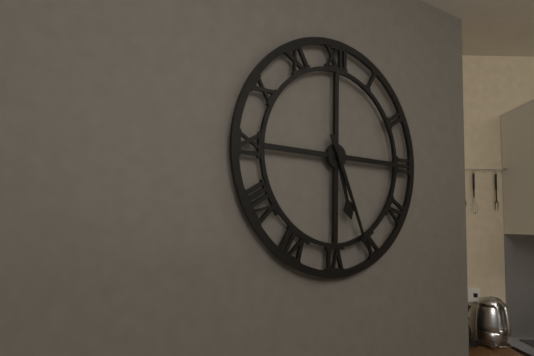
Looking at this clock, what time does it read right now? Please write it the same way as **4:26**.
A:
**5:26**
